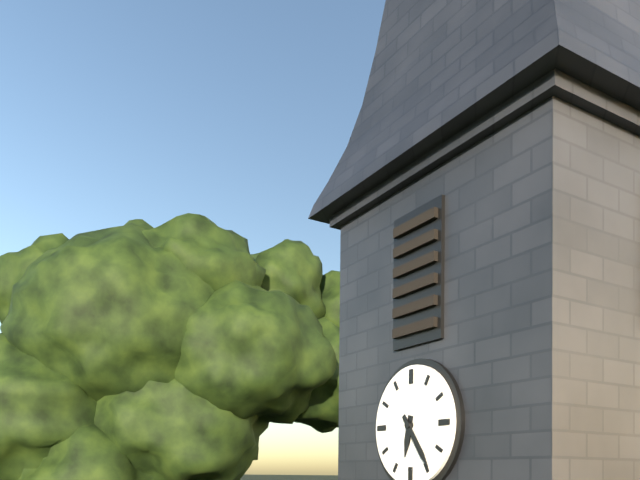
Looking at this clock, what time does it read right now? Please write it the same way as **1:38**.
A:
**6:24**
